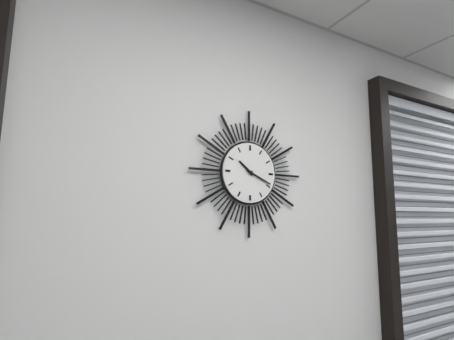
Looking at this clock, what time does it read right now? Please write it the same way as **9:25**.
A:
**10:19**
